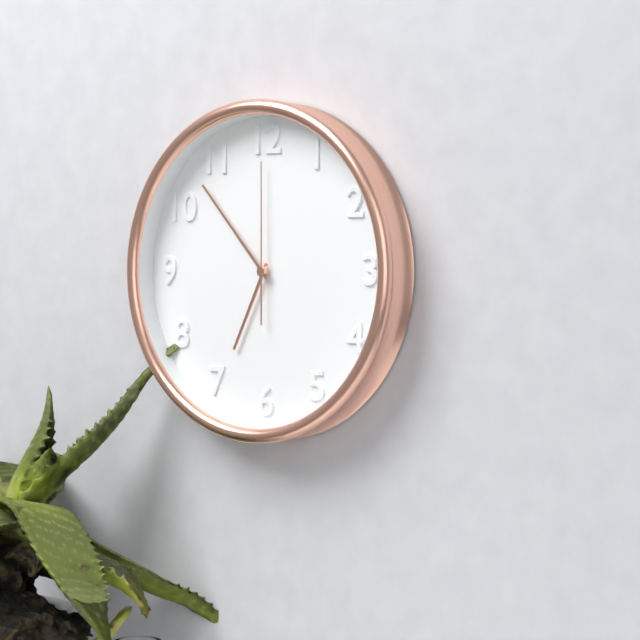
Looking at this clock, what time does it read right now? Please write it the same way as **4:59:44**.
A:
**6:53:00**
